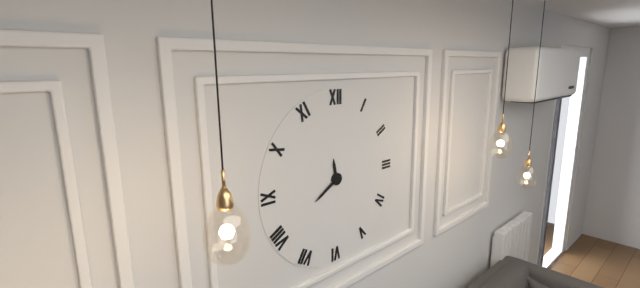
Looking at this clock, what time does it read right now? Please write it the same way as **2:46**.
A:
**11:40**
